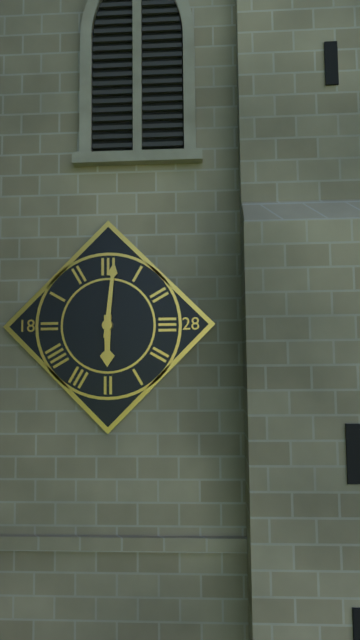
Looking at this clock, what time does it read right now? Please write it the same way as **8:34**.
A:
**6:01**
